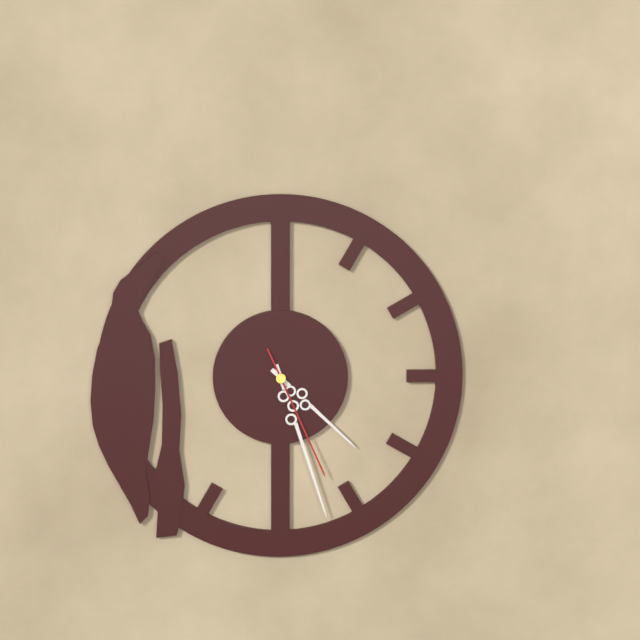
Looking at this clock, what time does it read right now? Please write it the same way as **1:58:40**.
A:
**4:27:26**
